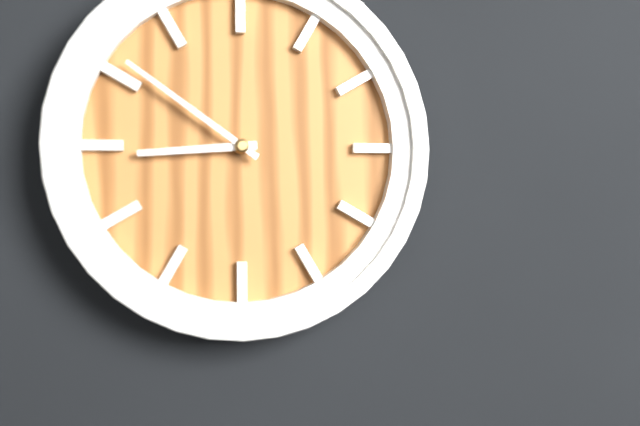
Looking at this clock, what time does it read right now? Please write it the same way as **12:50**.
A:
**8:51**
